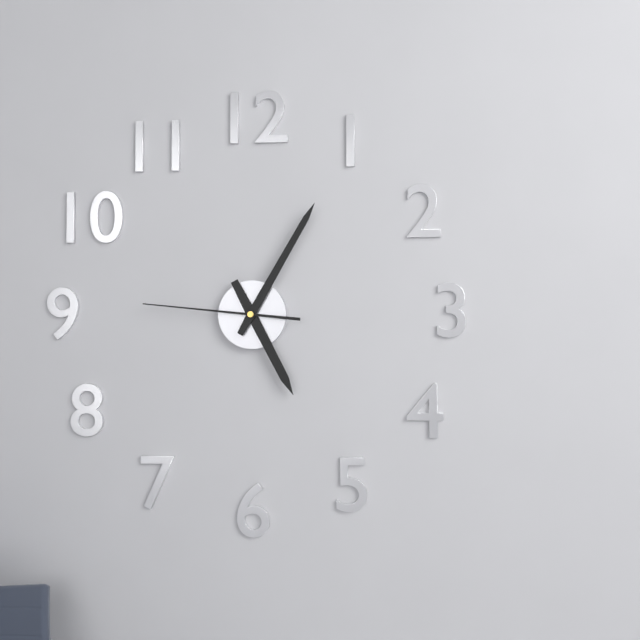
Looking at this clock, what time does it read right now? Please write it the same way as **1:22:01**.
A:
**5:05:46**
